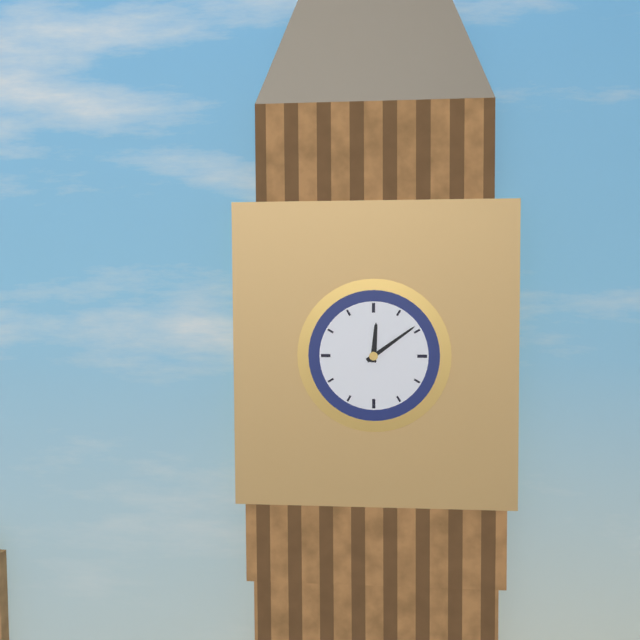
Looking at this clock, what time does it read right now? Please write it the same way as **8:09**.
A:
**12:09**
